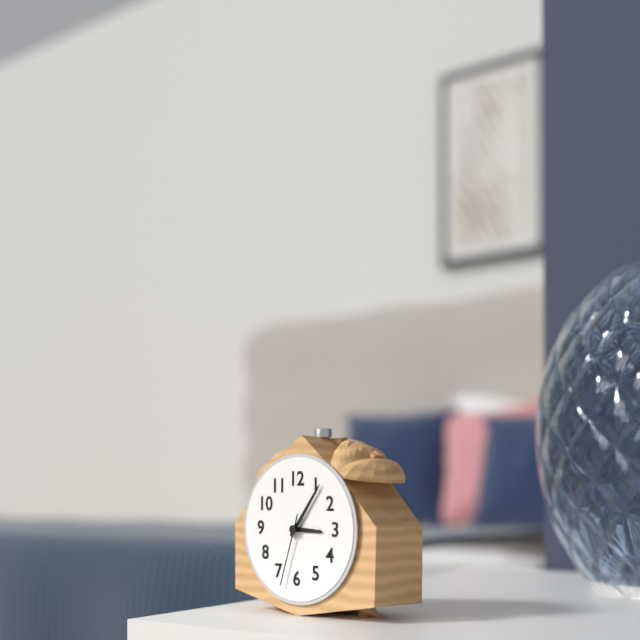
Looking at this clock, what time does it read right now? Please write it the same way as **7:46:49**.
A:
**3:06:33**
